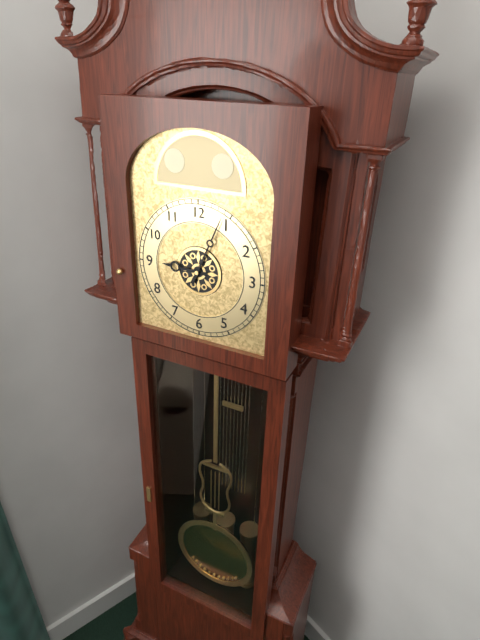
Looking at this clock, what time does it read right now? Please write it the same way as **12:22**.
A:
**9:04**
